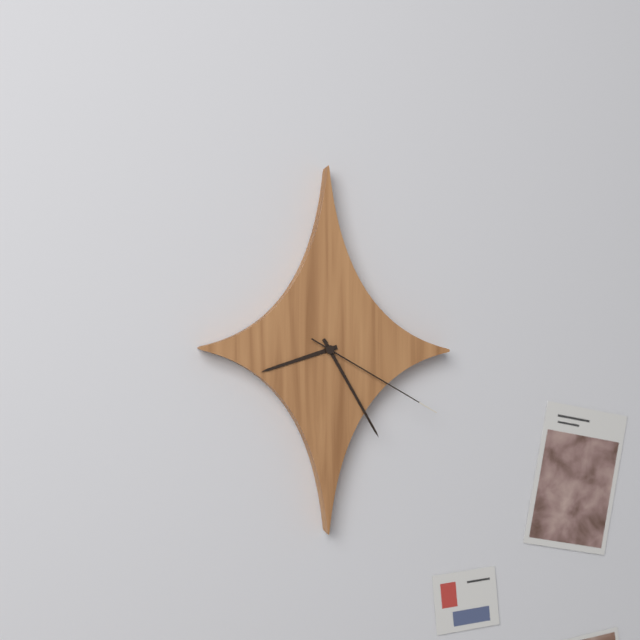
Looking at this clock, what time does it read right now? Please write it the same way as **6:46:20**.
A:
**8:25:20**
